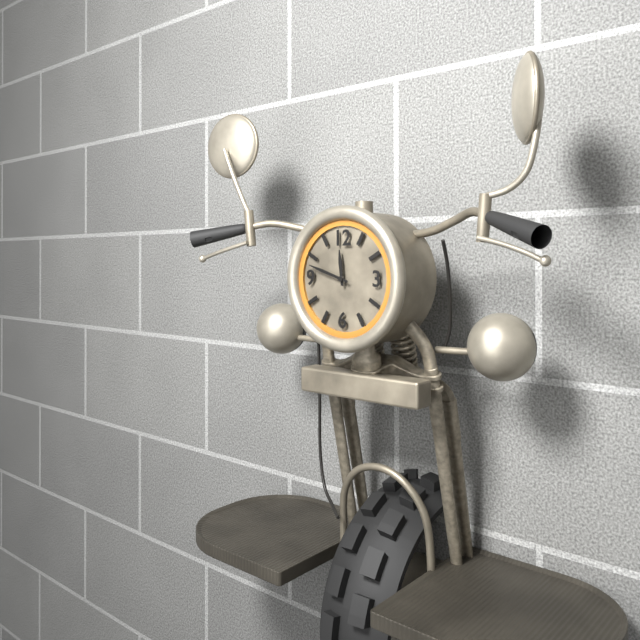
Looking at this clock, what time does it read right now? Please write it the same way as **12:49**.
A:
**11:48**
